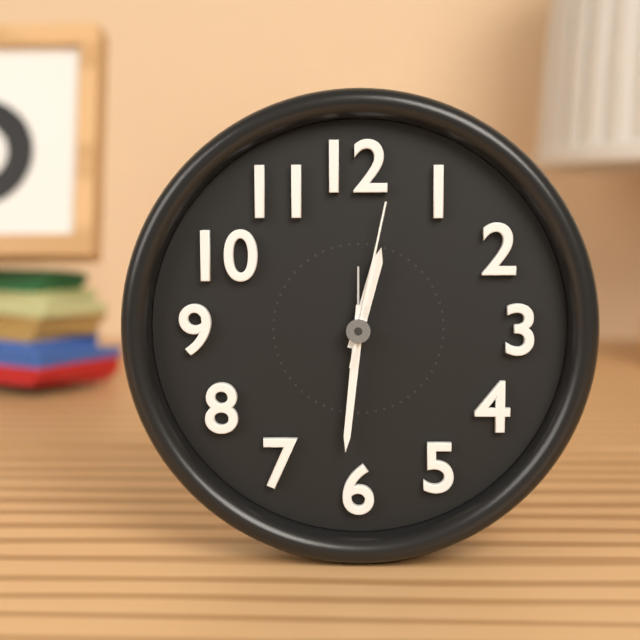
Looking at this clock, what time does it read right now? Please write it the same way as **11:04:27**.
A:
**12:31:02**
